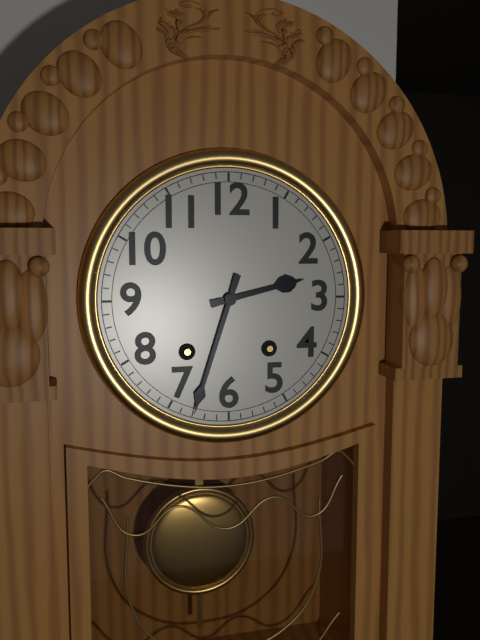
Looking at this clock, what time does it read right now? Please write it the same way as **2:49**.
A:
**2:33**
